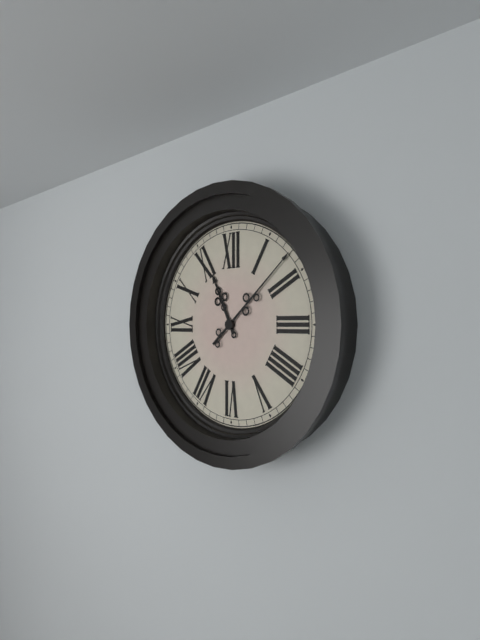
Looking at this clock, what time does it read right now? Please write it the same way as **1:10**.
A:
**11:08**
